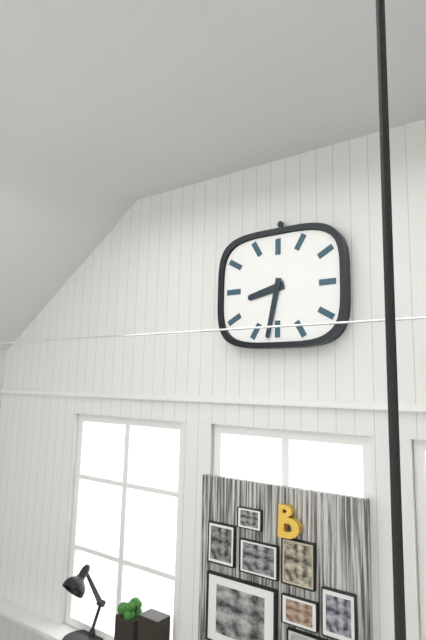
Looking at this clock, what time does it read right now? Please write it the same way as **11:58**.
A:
**8:32**
